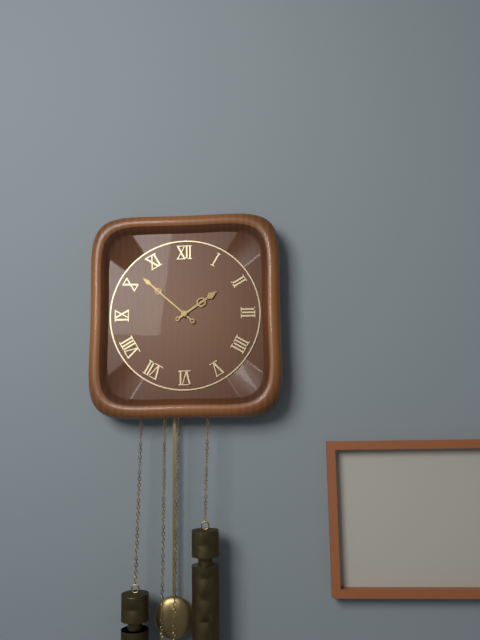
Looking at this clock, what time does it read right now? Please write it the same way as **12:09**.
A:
**1:52**
